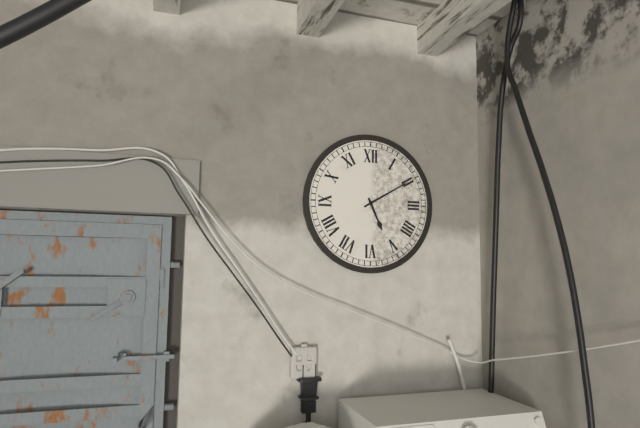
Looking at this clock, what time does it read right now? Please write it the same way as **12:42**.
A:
**5:10**
